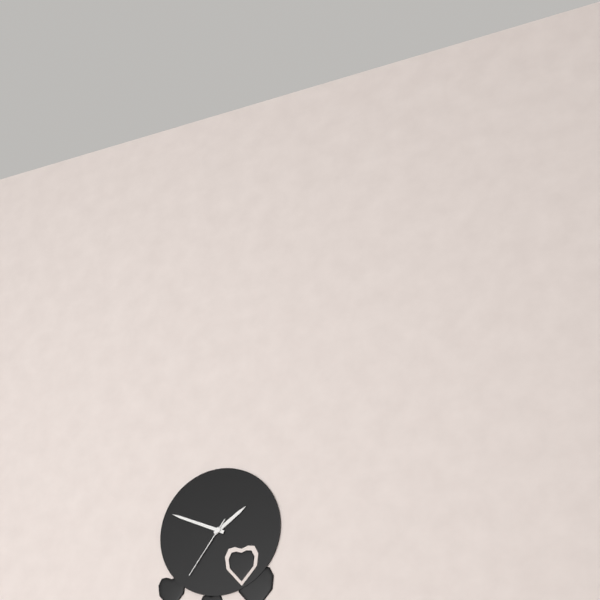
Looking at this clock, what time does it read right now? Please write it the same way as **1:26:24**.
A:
**1:49:36**
